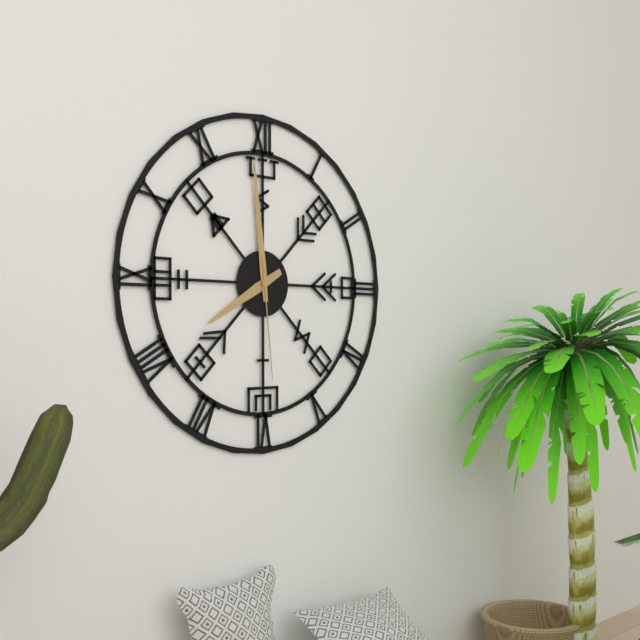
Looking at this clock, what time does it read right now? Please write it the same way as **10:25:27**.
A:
**7:59:29**
